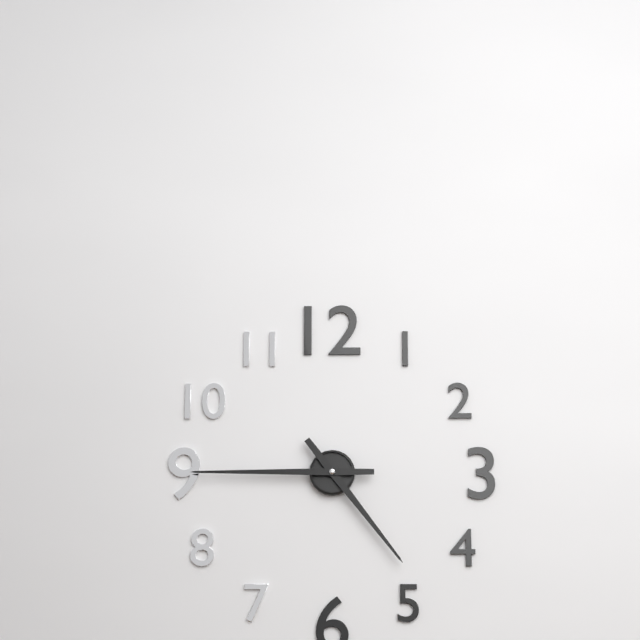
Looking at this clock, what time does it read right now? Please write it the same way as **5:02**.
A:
**4:45**
